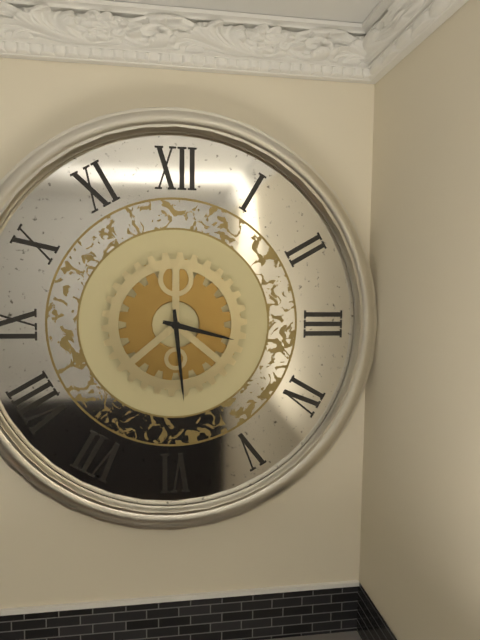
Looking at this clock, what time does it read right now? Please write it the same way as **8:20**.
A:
**3:29**
